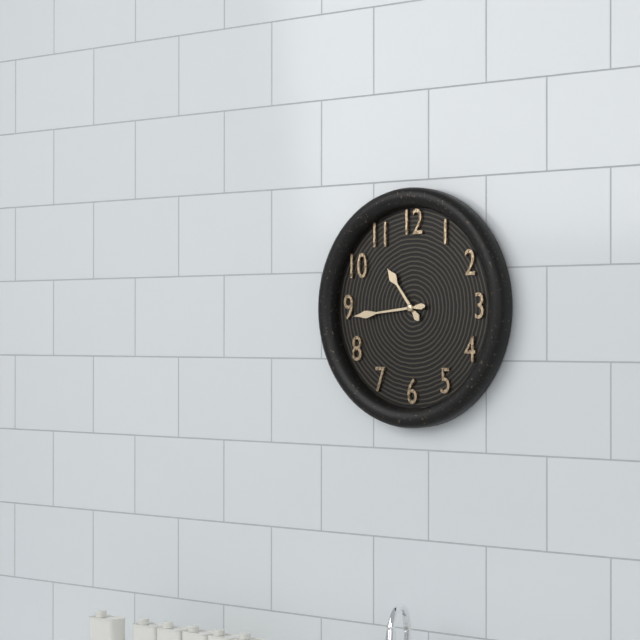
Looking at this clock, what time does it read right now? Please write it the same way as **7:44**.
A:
**10:44**
